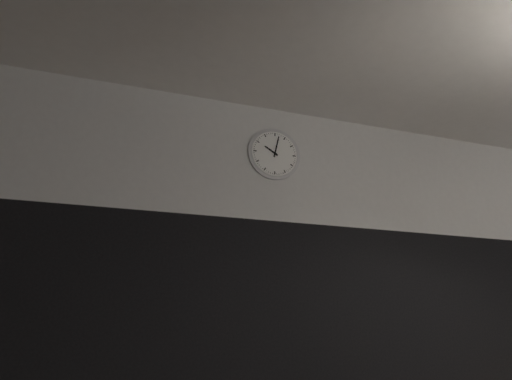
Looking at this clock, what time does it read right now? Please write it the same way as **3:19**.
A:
**10:02**
